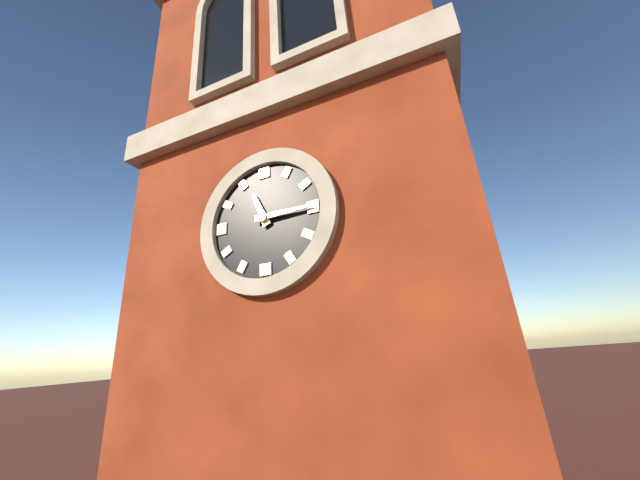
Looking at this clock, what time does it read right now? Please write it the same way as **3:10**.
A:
**11:15**
